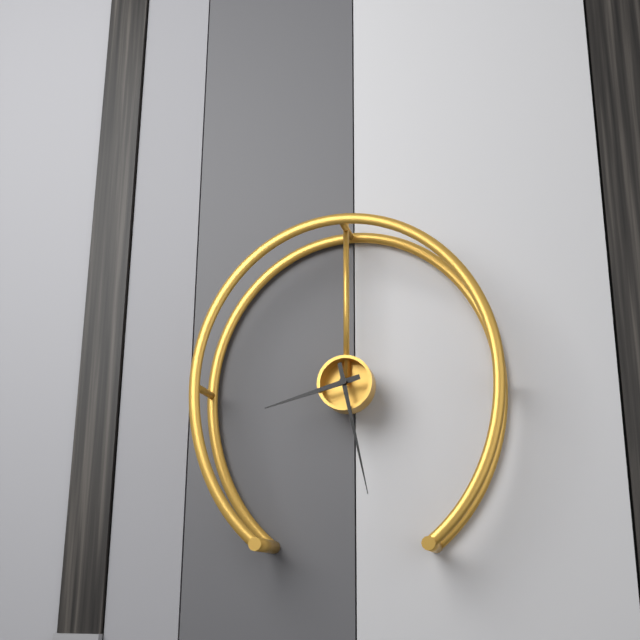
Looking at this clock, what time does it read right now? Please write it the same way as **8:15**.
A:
**8:28**
